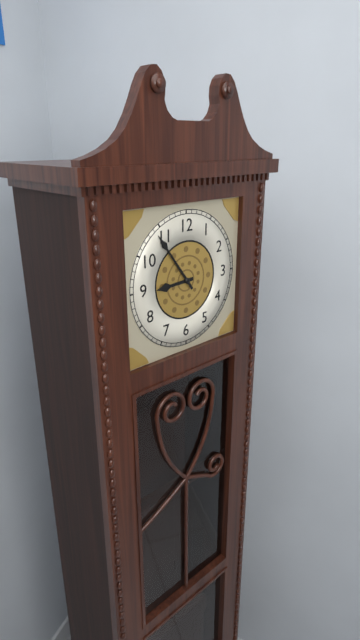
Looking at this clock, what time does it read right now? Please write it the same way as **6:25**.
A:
**8:54**
